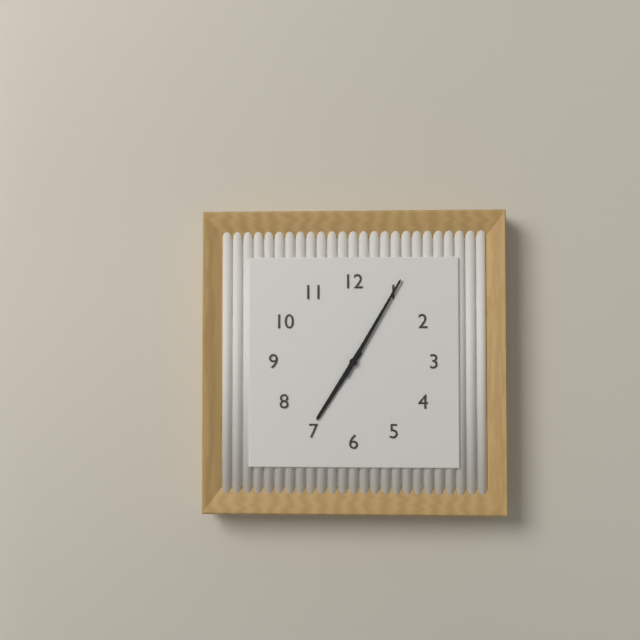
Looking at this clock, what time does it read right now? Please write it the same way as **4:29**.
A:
**7:05**
